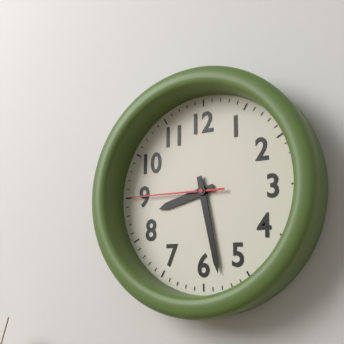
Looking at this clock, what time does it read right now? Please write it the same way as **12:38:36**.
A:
**8:28:45**
